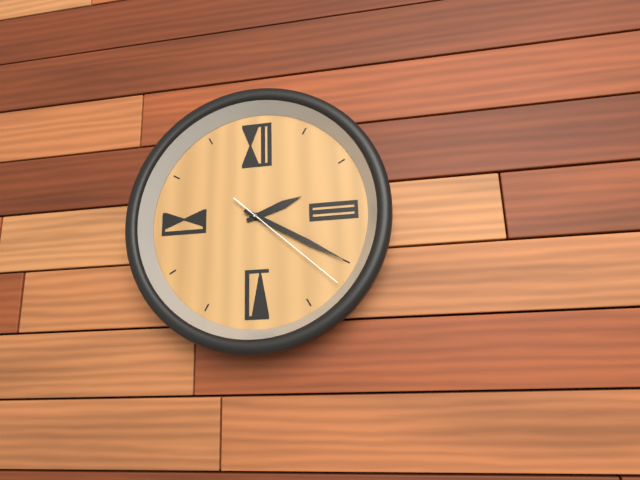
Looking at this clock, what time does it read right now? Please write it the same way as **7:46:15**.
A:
**2:20:22**
